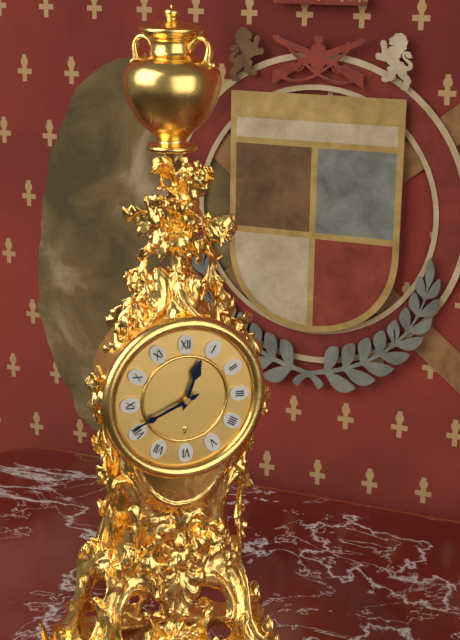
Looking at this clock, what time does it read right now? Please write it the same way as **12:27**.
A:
**12:41**
